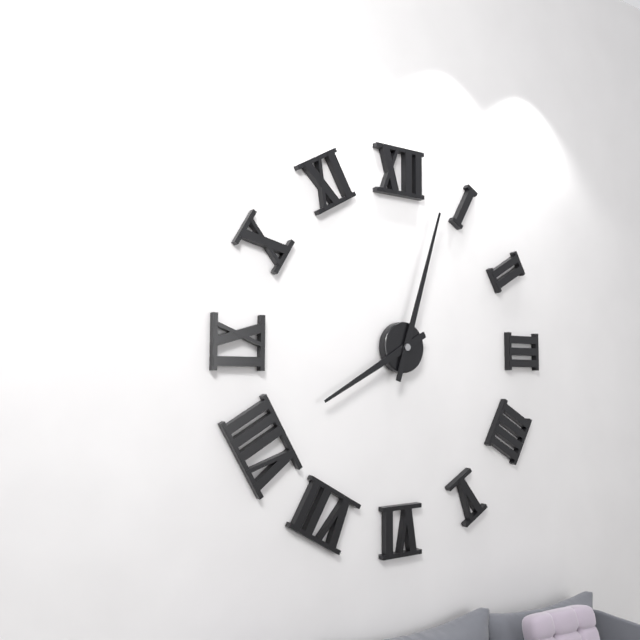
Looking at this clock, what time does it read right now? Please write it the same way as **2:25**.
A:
**8:03**
